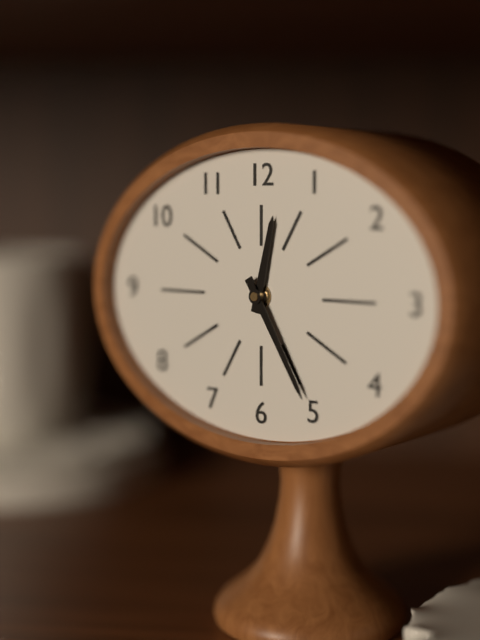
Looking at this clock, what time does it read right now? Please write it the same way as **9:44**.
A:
**12:25**
